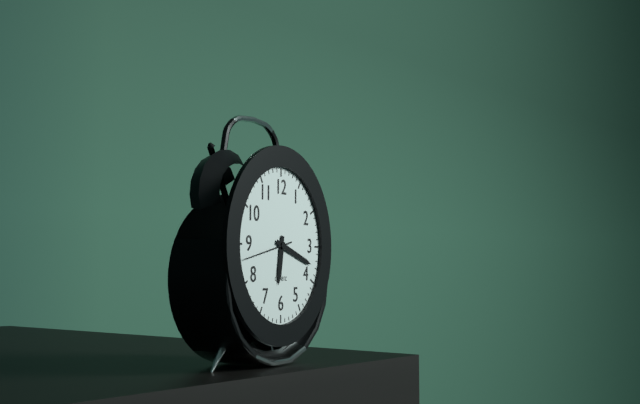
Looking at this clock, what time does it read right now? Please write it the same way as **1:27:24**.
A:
**6:18:43**
